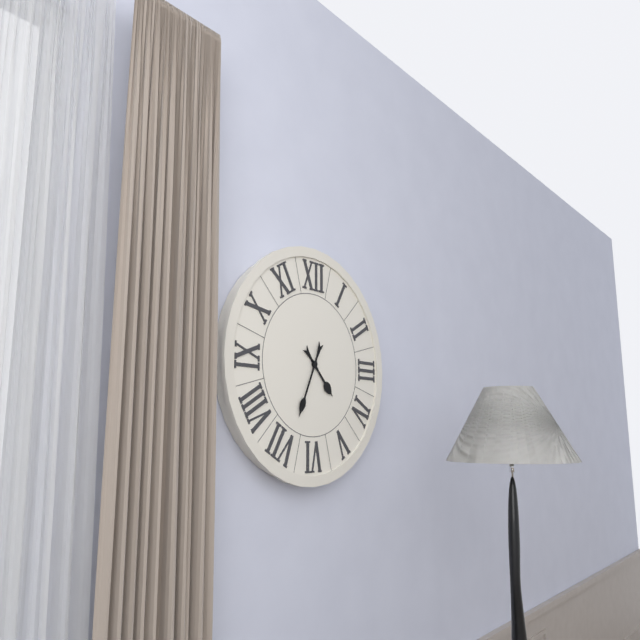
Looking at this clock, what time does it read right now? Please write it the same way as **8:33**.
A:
**4:34**
